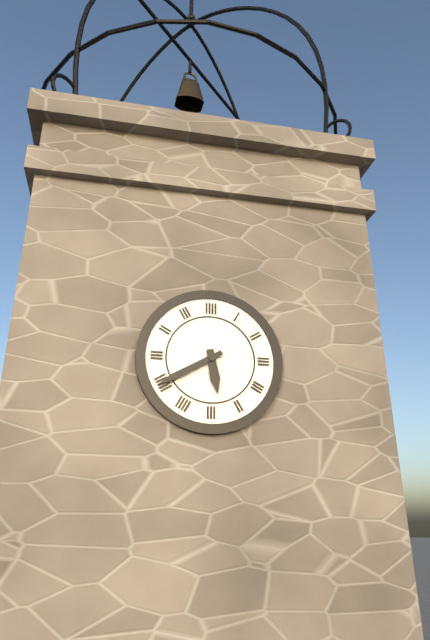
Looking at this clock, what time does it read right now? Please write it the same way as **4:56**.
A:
**5:40**
